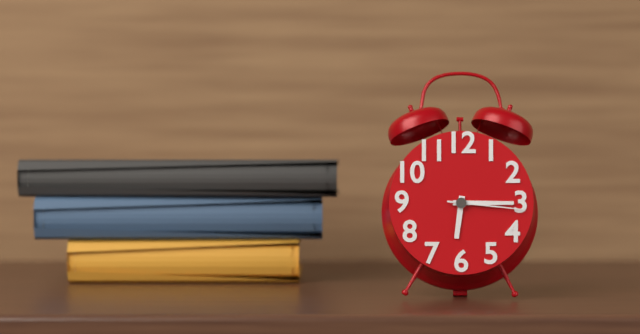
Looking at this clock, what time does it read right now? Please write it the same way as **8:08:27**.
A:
**6:15:16**
